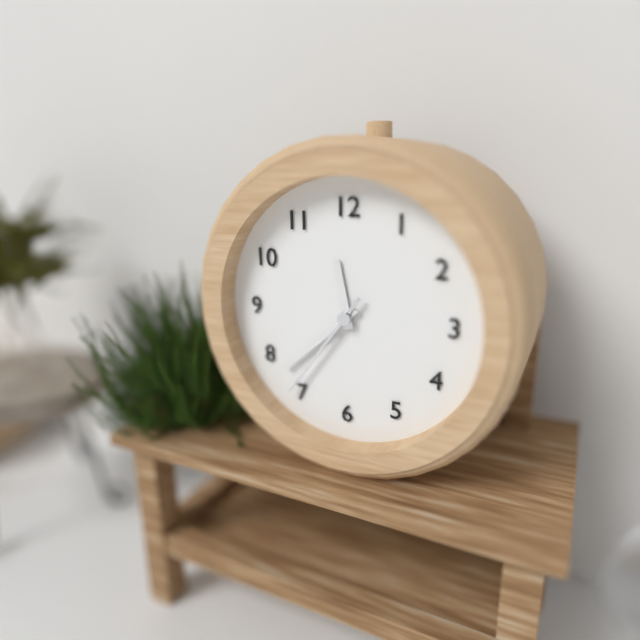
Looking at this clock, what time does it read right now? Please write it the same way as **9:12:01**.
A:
**11:38:36**
